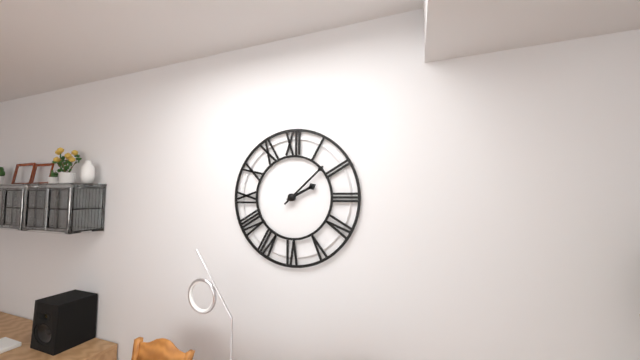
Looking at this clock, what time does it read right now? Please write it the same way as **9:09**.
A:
**2:08**
